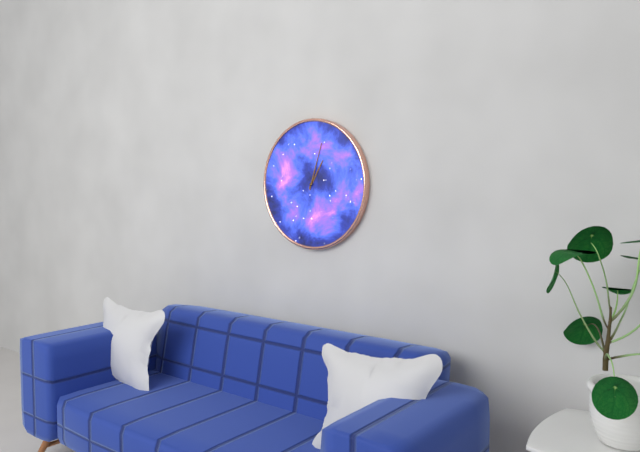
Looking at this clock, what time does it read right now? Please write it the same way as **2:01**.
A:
**1:03**
